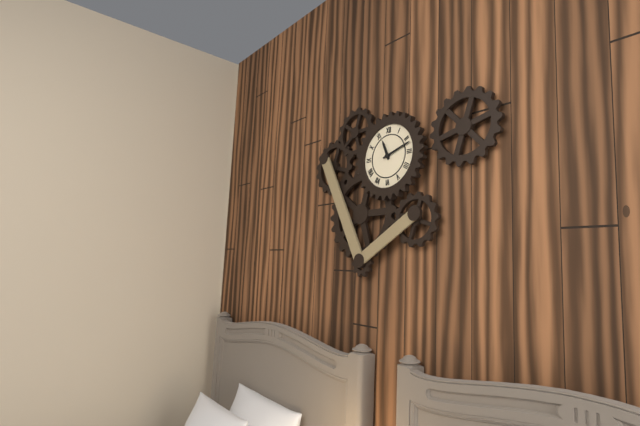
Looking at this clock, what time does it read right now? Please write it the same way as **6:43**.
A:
**11:12**
